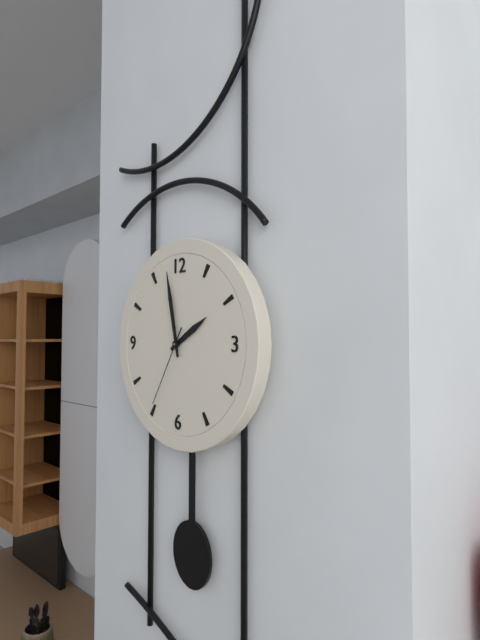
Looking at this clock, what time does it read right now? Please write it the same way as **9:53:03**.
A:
**1:58:35**
